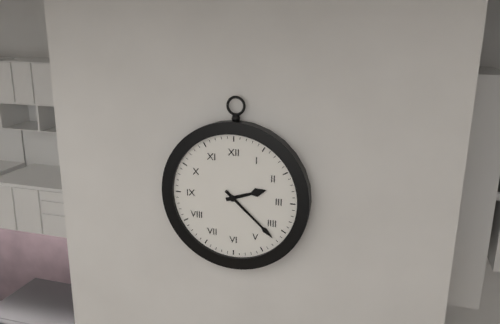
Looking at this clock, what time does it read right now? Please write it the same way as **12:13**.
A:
**2:22**
